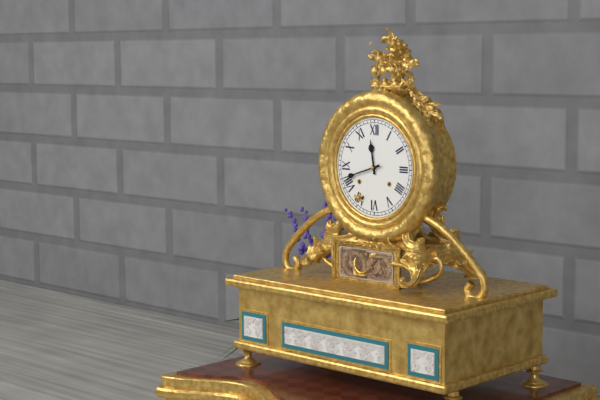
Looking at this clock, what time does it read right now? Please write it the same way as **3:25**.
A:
**11:42**
